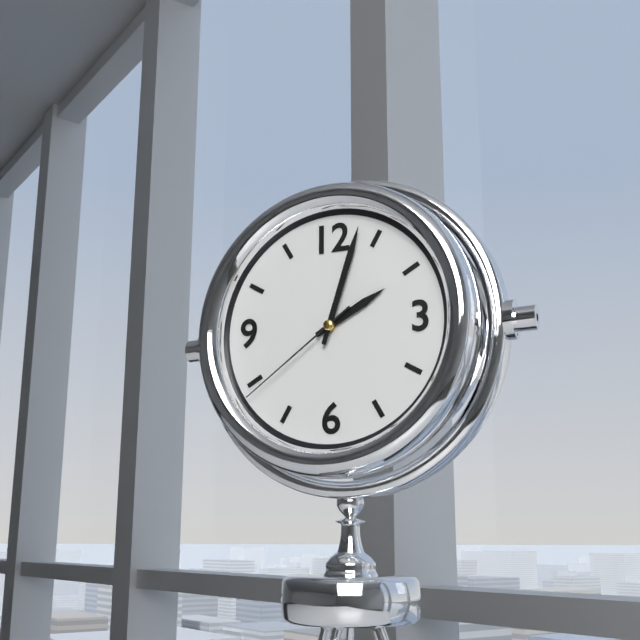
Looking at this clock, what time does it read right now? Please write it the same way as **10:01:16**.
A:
**2:03:39**
